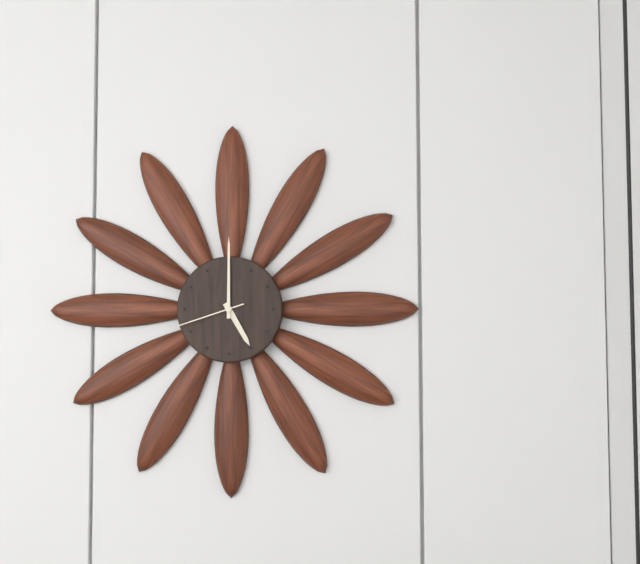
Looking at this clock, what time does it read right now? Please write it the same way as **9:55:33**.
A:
**5:00:42**
